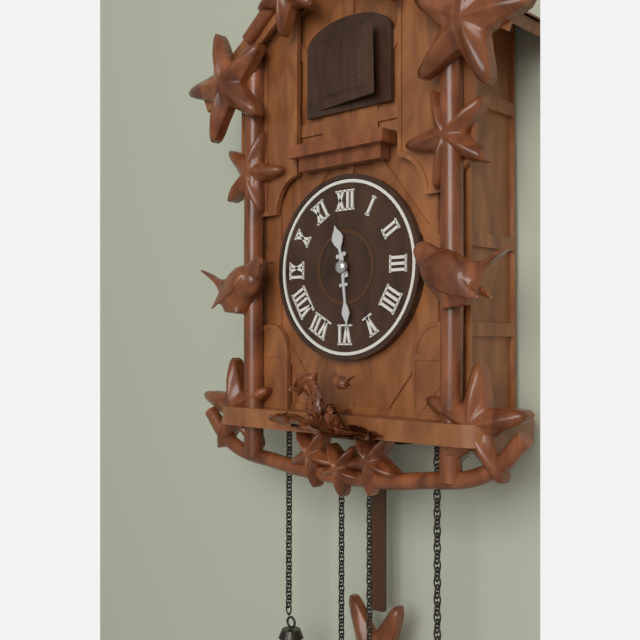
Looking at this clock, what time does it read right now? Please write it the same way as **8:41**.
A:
**11:29**
